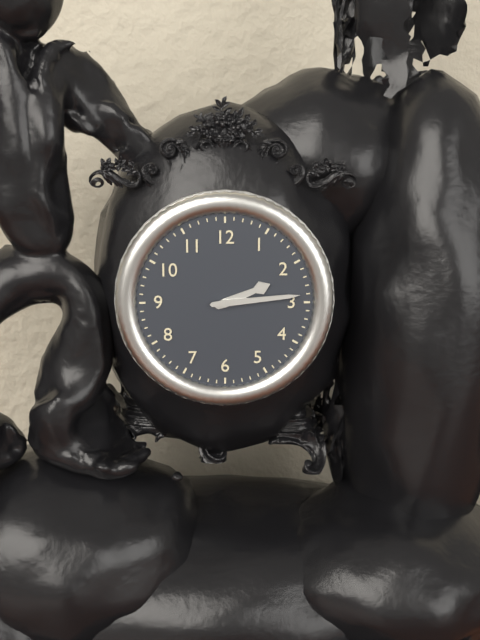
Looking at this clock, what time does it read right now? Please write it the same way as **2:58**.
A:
**2:14**
